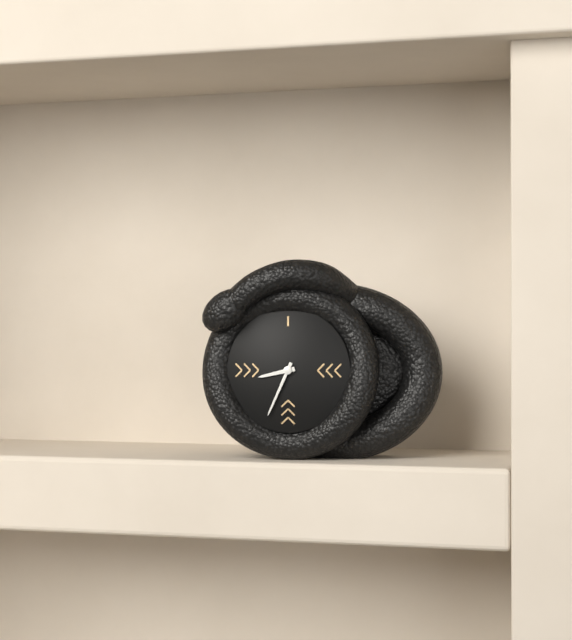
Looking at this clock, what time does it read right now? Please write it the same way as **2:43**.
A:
**8:34**
